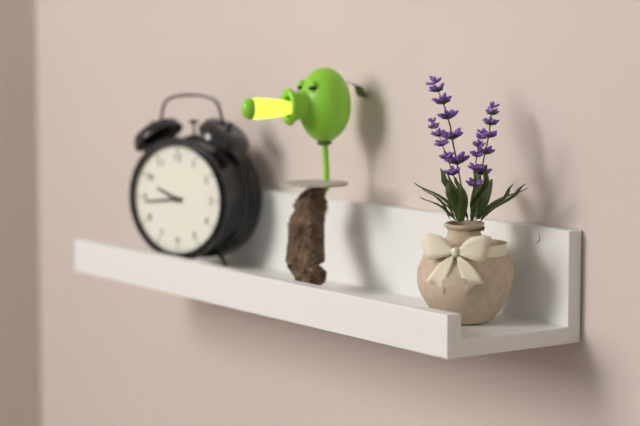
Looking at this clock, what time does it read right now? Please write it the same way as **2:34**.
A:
**9:44**
